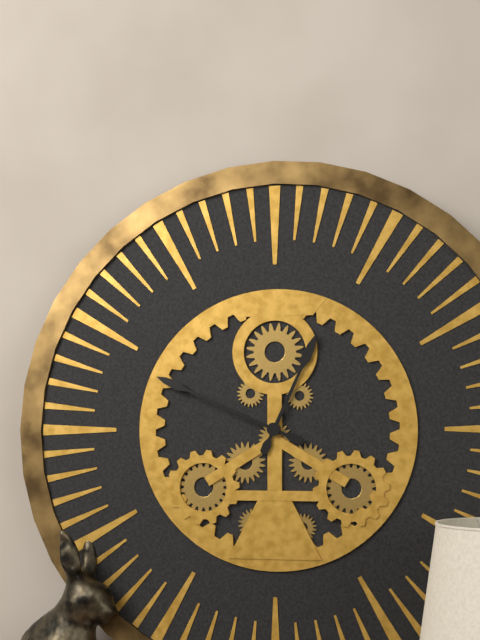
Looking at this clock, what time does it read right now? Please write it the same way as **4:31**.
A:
**12:49**
